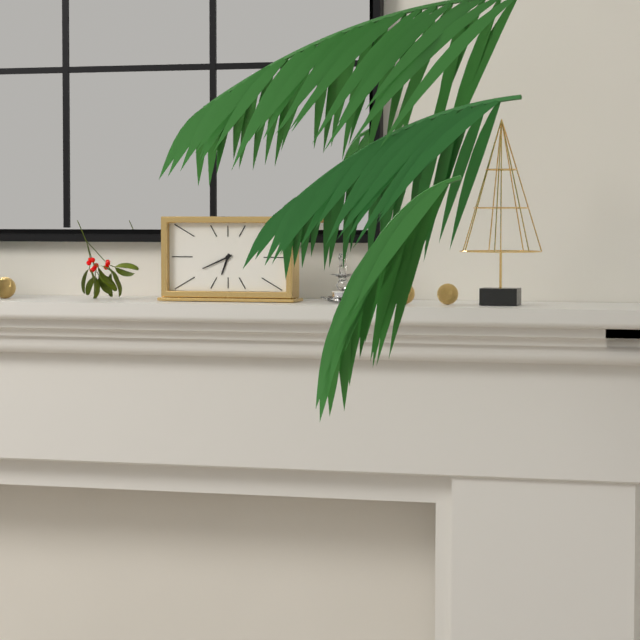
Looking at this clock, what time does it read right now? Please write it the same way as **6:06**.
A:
**6:41**
